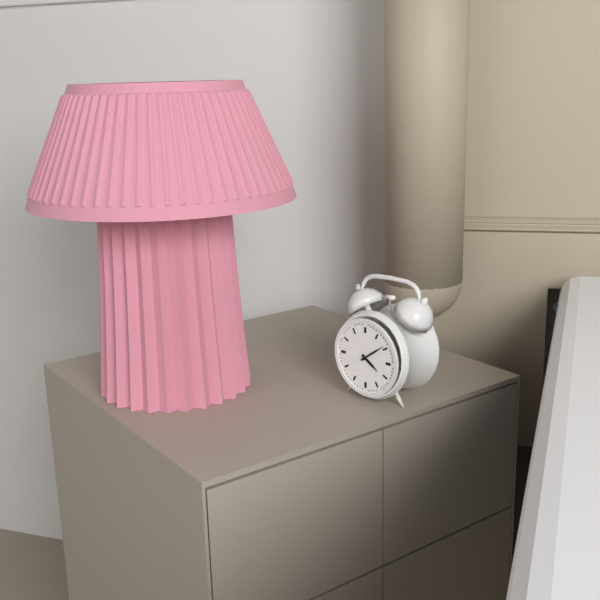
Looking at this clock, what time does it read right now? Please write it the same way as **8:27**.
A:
**4:09**
